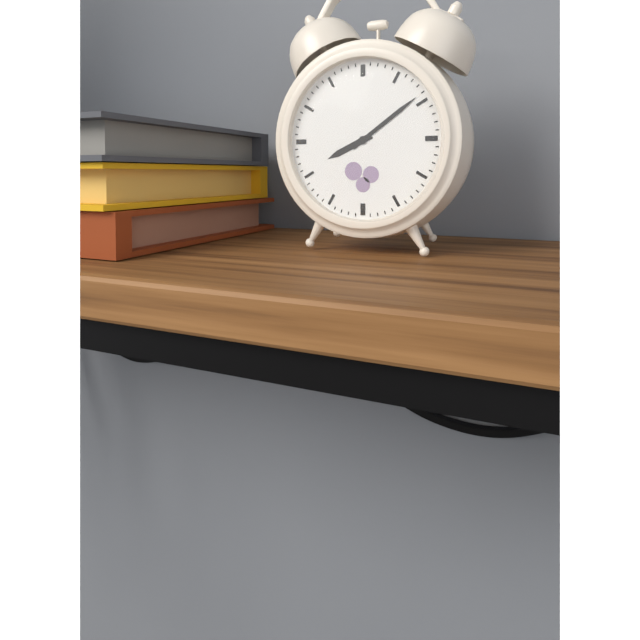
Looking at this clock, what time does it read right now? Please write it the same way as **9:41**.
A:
**8:09**
